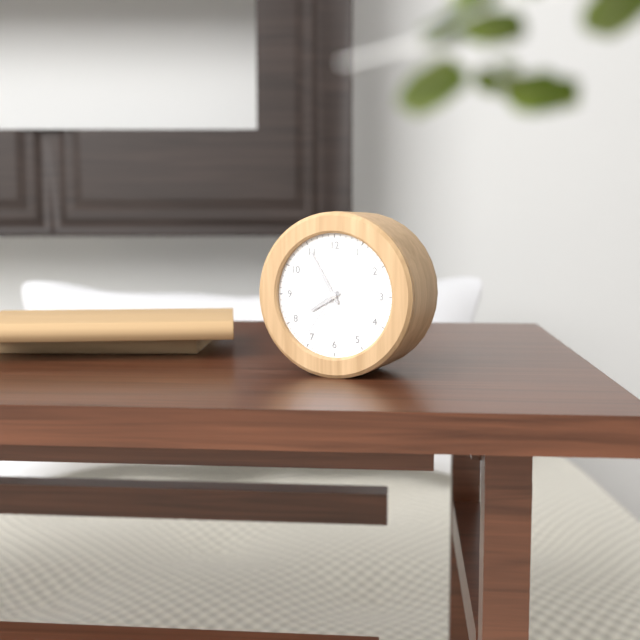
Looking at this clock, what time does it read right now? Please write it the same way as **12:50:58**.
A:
**7:55:36**
